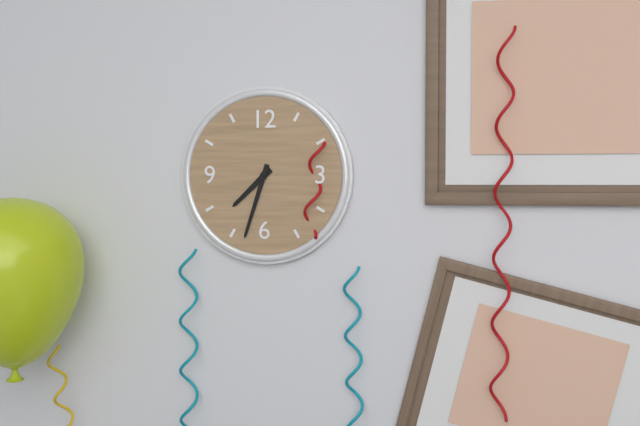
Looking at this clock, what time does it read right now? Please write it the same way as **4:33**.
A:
**7:33**
